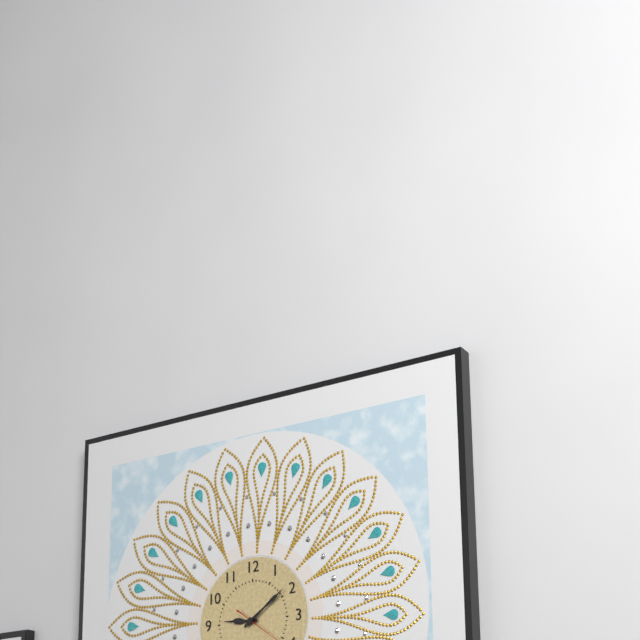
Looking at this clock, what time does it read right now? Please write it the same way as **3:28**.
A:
**9:09**
